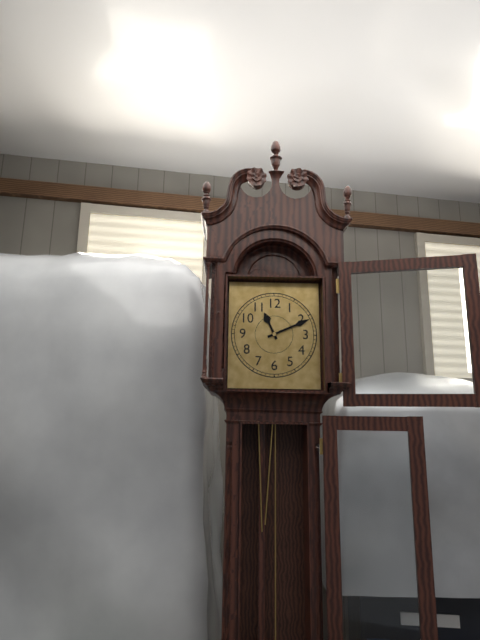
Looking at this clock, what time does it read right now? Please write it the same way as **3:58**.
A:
**11:11**
